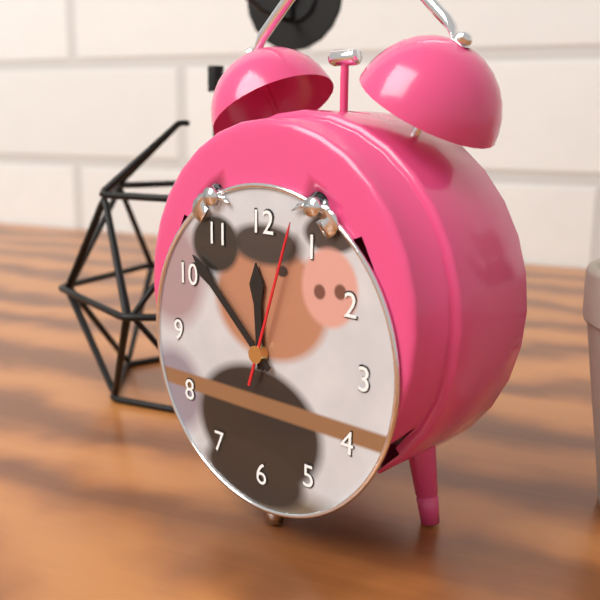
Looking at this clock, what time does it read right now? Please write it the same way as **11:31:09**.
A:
**11:52:03**
